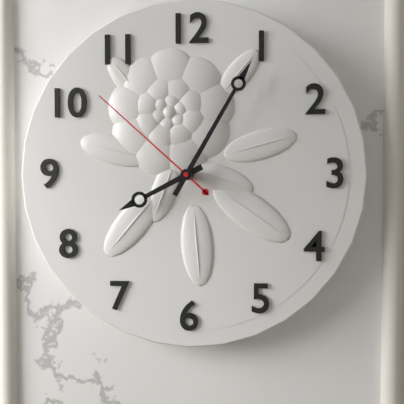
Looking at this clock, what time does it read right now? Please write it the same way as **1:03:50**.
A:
**8:05:52**
